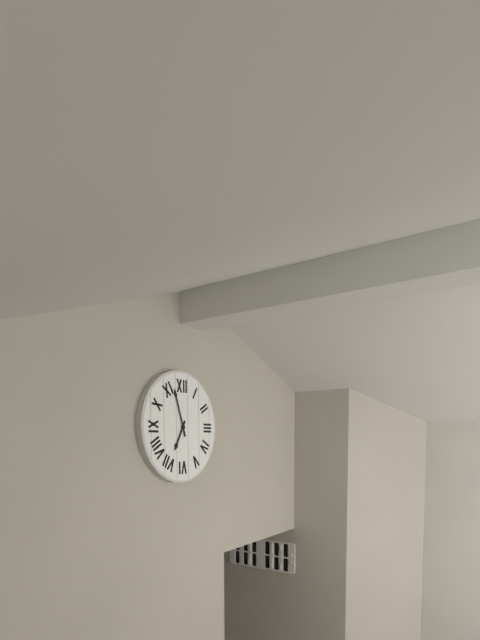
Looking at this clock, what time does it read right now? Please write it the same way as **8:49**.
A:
**6:57**
